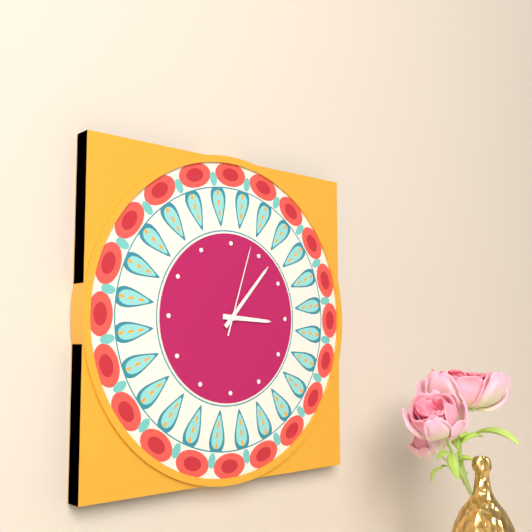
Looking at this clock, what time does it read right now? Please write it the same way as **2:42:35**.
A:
**3:07:03**
